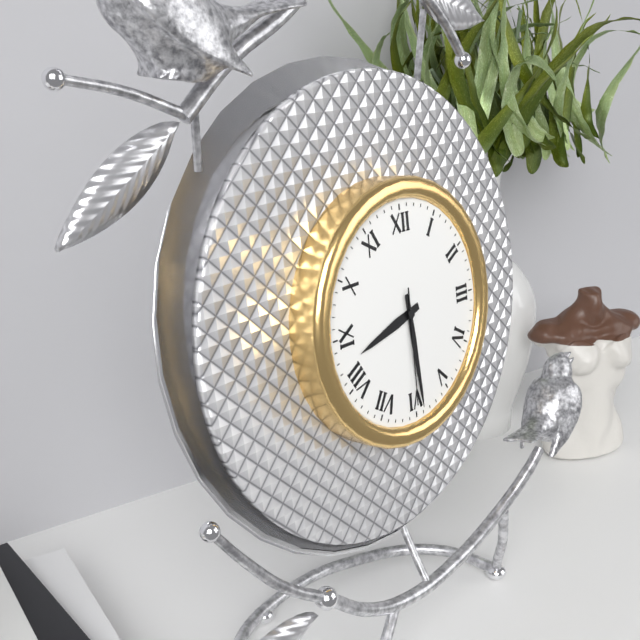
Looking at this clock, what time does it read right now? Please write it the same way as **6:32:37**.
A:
**8:29:30**
